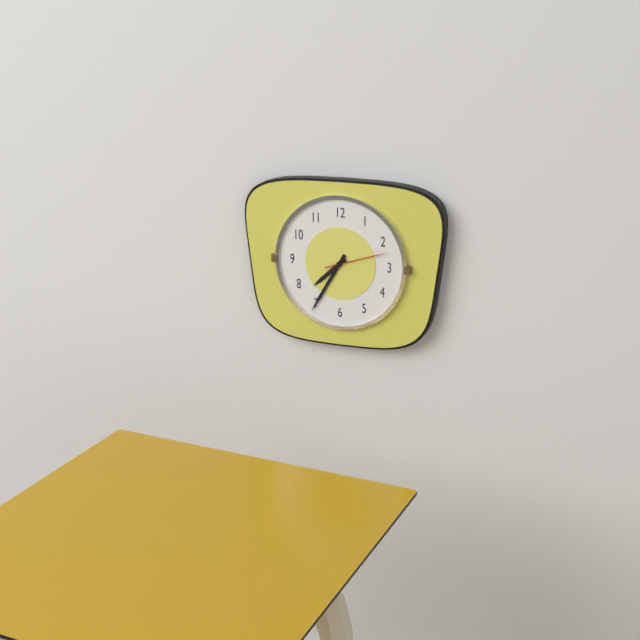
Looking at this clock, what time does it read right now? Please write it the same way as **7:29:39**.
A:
**7:35:12**
